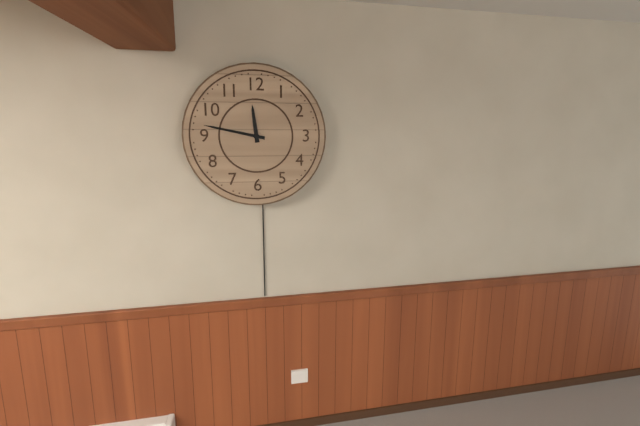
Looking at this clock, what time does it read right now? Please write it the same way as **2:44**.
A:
**11:47**
